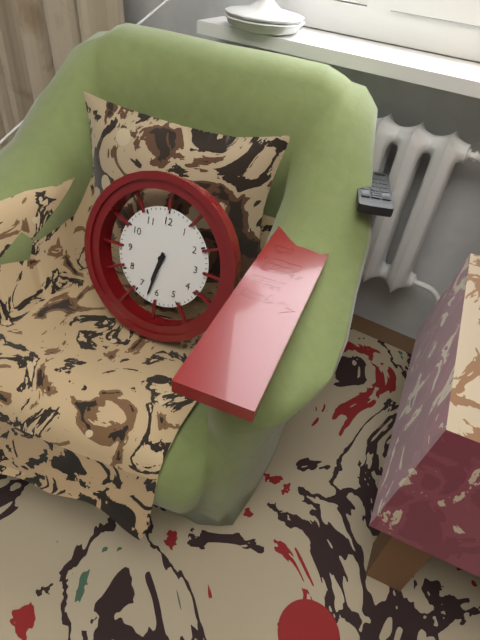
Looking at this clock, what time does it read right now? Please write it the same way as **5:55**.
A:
**6:32**
